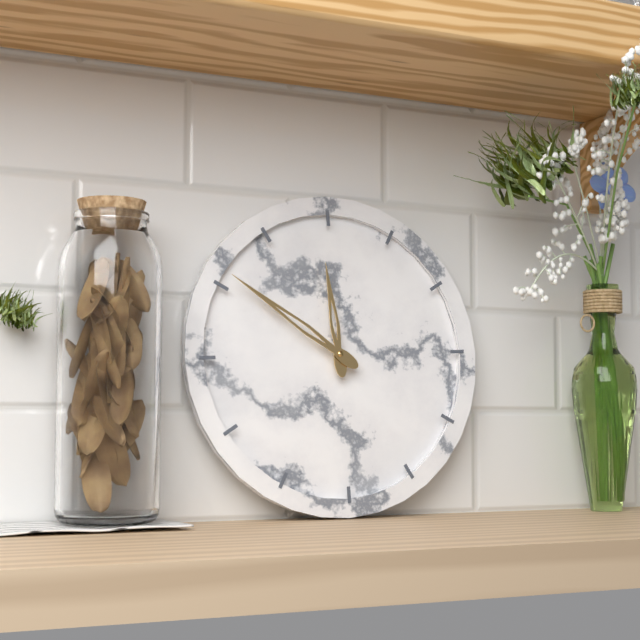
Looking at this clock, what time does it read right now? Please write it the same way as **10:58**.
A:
**11:51**
